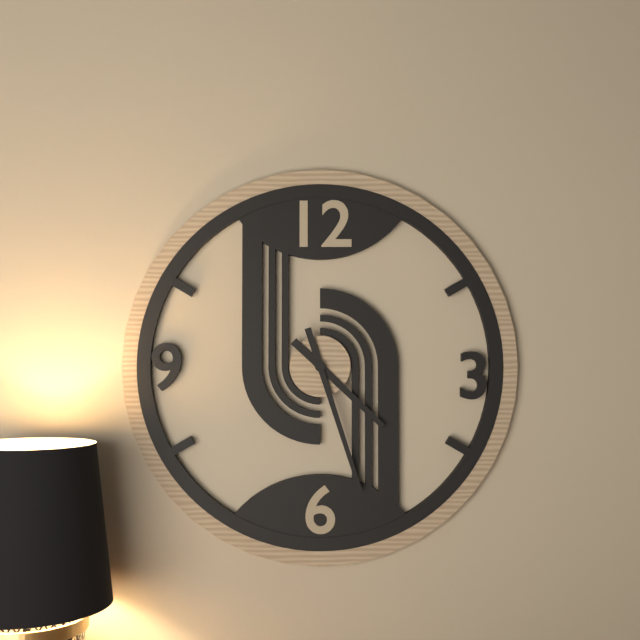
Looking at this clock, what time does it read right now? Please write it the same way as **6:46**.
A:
**4:27**
